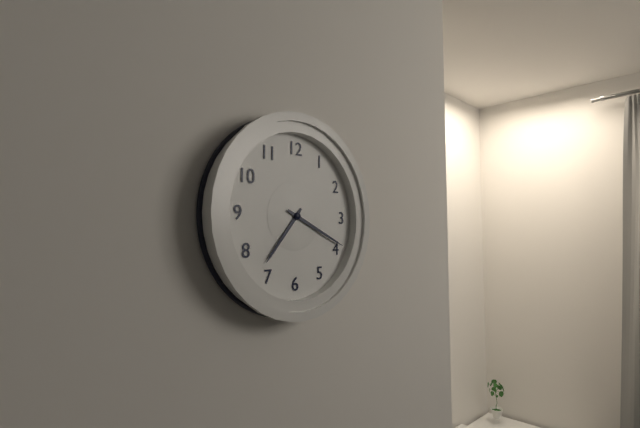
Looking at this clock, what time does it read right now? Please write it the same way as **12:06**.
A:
**7:19**
